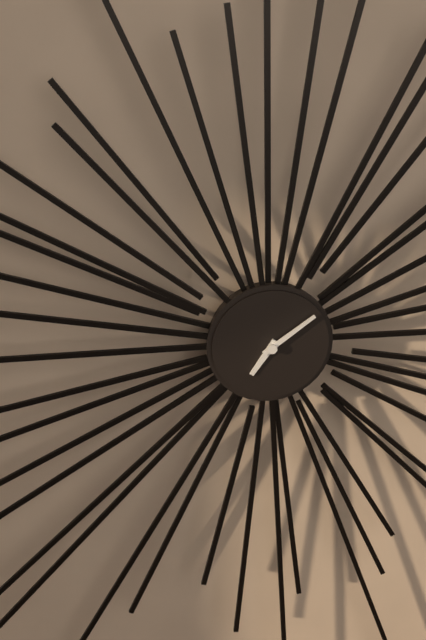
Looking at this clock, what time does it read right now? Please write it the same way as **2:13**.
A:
**7:09**
